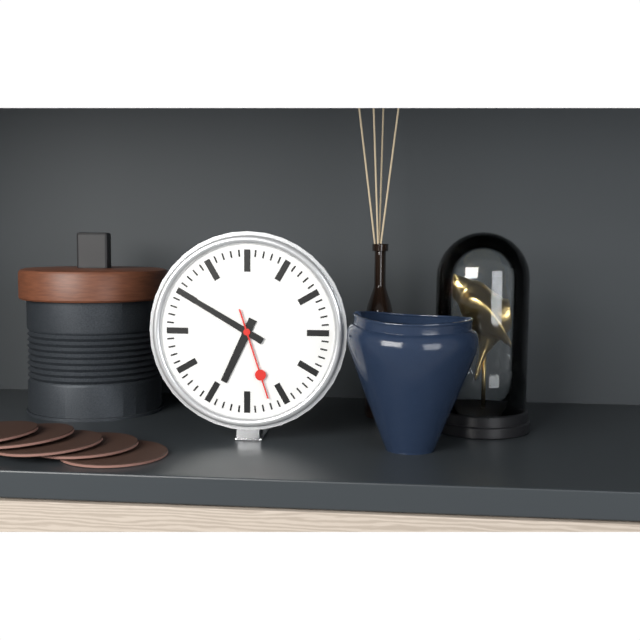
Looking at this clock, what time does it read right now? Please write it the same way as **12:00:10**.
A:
**6:50:27**
